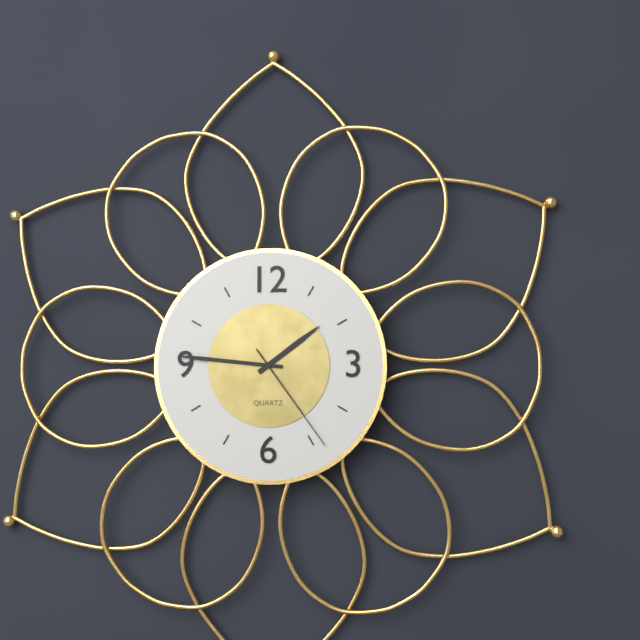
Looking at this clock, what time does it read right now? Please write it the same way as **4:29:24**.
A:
**1:46:24**
